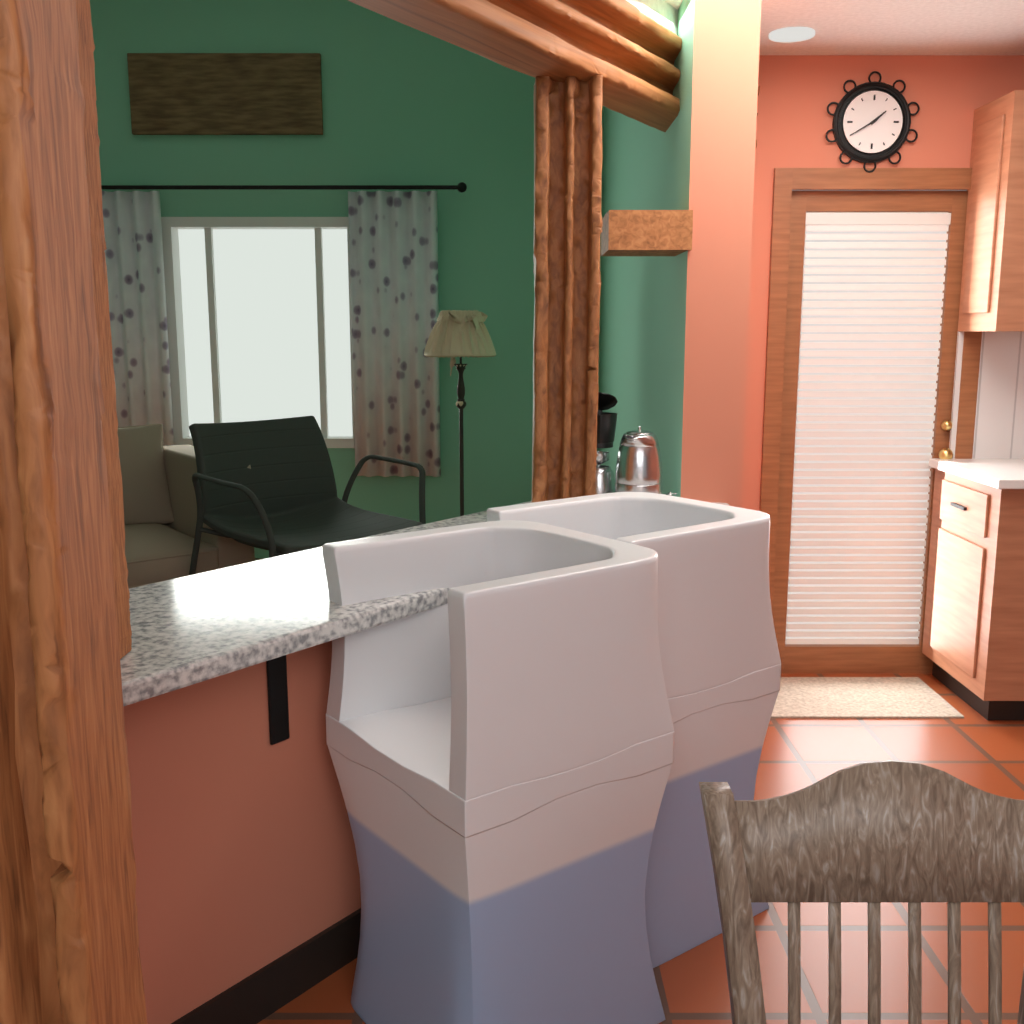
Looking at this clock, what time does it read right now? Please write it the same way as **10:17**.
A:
**1:40**
